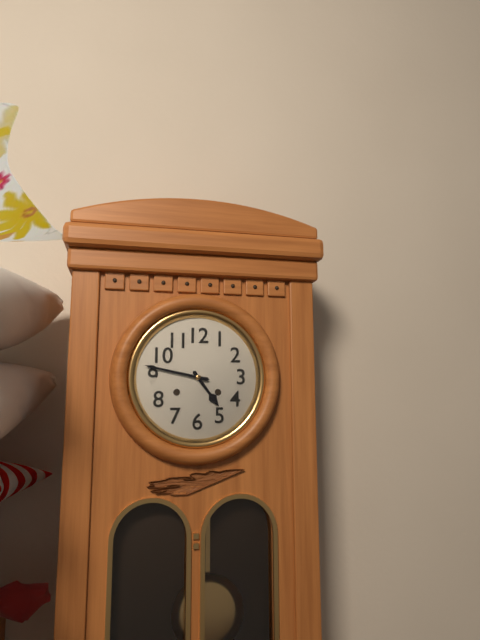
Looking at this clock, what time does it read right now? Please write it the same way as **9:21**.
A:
**4:47**
